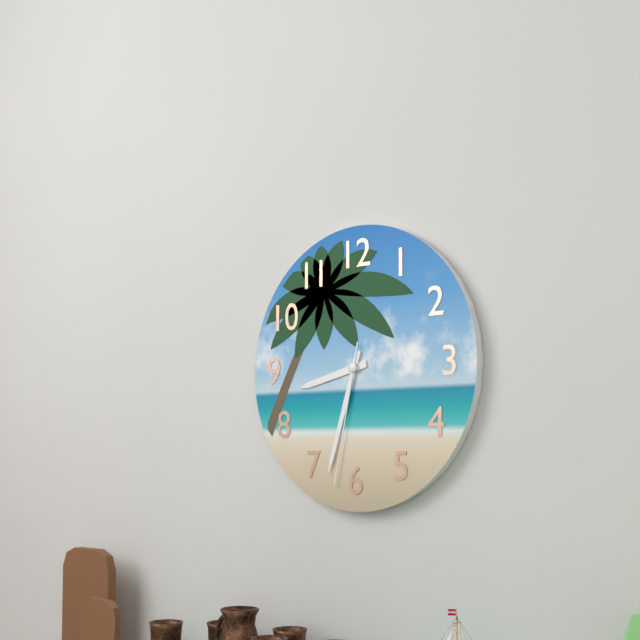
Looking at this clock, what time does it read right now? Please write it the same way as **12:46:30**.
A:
**8:33:32**
